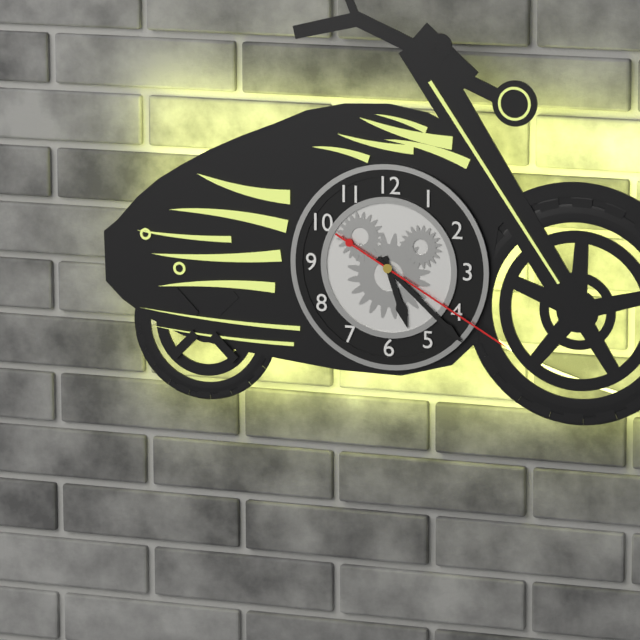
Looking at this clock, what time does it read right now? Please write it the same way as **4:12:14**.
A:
**5:22:20**
